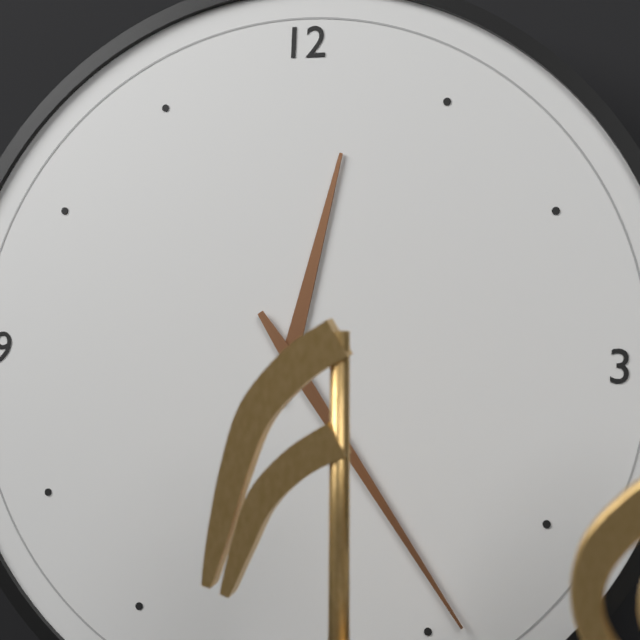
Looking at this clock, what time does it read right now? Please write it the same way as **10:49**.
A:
**12:24**
